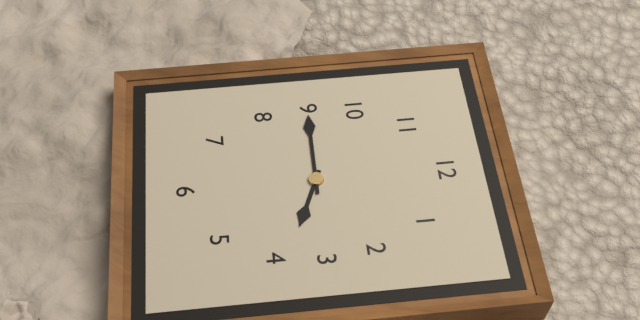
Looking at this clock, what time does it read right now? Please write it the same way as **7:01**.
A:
**3:45**
